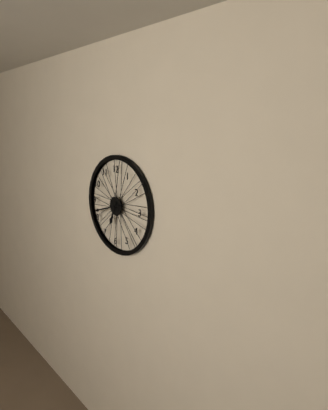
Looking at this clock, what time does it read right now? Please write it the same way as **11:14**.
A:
**6:42**
